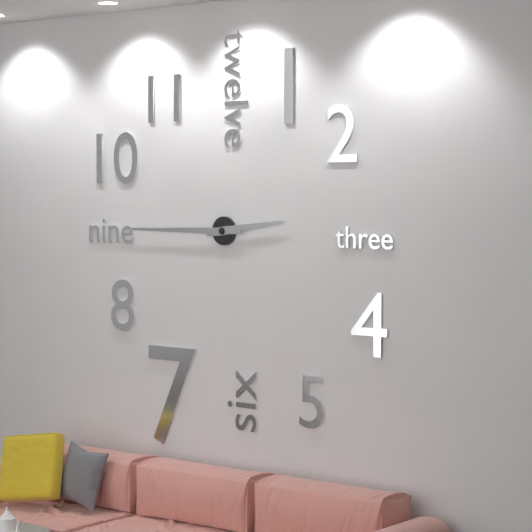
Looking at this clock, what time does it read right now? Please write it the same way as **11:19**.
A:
**2:45**
